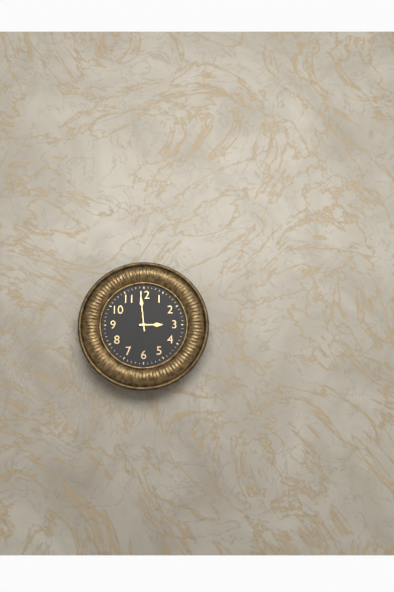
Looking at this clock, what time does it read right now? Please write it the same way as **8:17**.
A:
**2:59**
